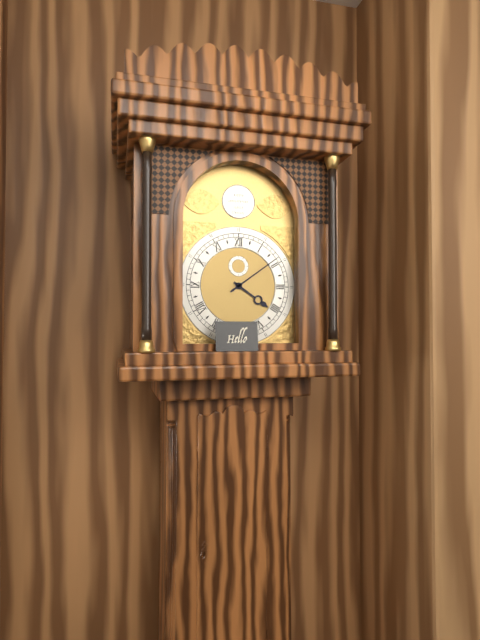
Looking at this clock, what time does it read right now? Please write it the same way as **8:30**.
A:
**4:09**
